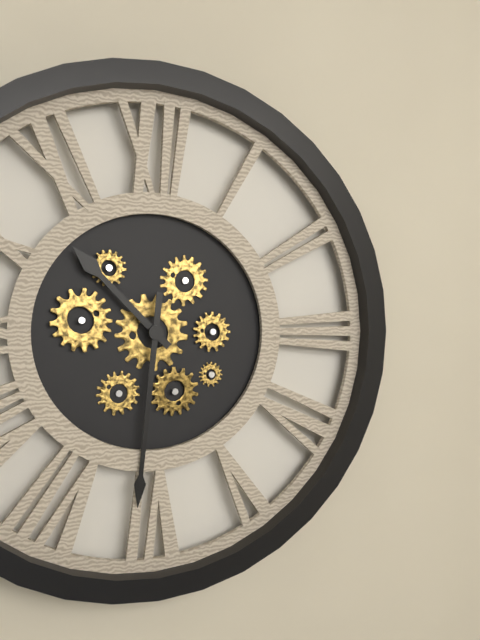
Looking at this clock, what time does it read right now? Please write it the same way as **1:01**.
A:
**10:31**
